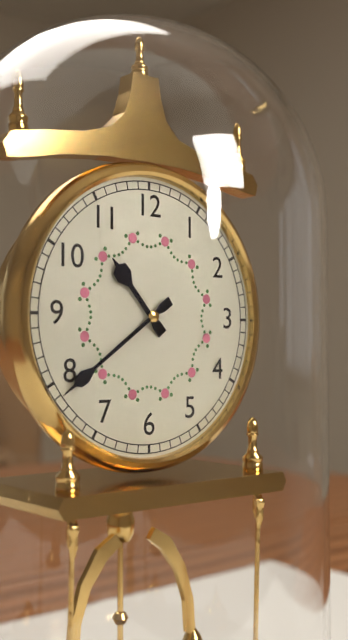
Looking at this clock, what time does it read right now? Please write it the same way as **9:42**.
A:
**10:39**
